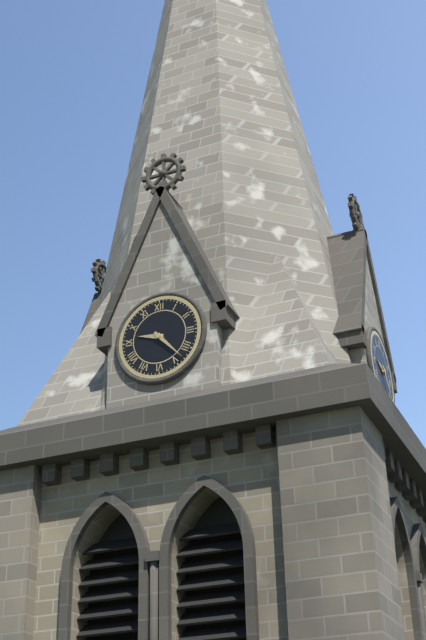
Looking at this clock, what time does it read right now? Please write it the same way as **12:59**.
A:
**9:23**
